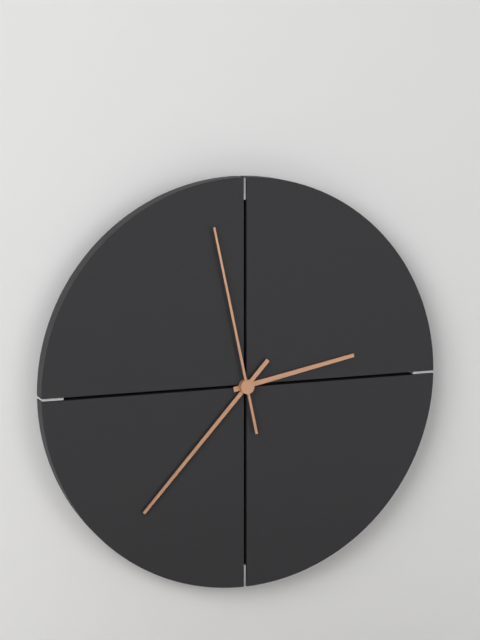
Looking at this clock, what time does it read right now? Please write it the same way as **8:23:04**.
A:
**2:37:58**
